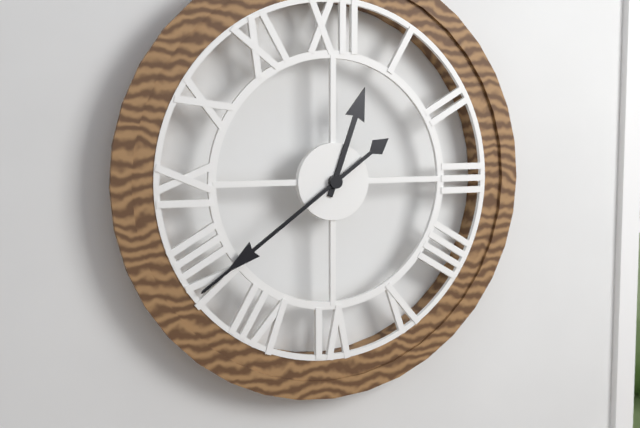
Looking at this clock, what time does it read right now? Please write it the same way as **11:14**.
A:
**12:39**
